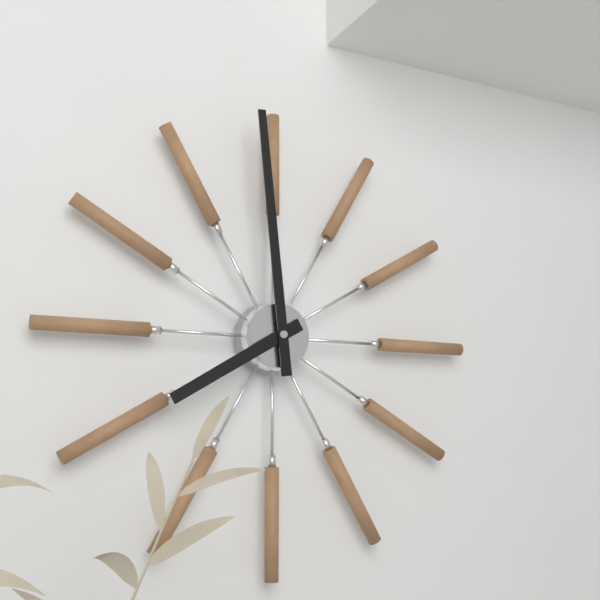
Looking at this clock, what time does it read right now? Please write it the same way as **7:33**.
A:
**7:59**
